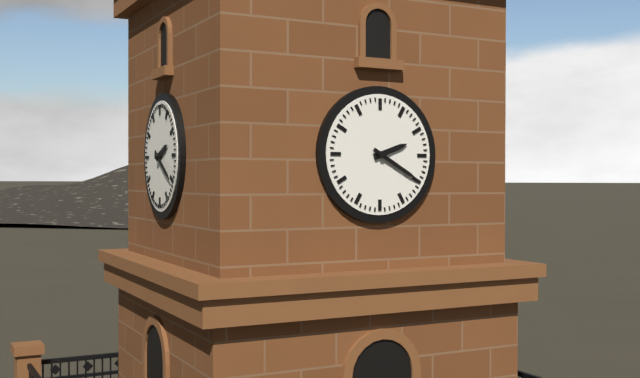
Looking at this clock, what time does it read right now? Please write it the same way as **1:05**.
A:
**2:20**
